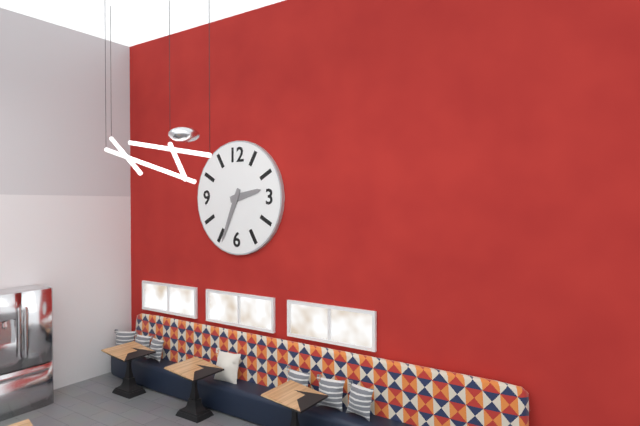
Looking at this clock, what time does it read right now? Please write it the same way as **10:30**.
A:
**2:34**
